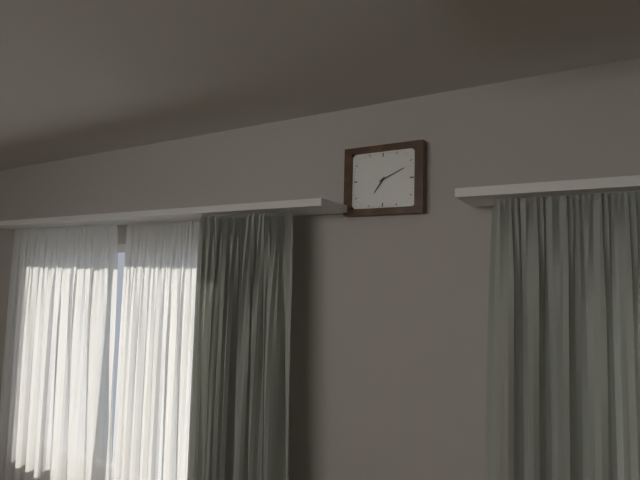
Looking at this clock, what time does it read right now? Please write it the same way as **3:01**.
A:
**7:11**
